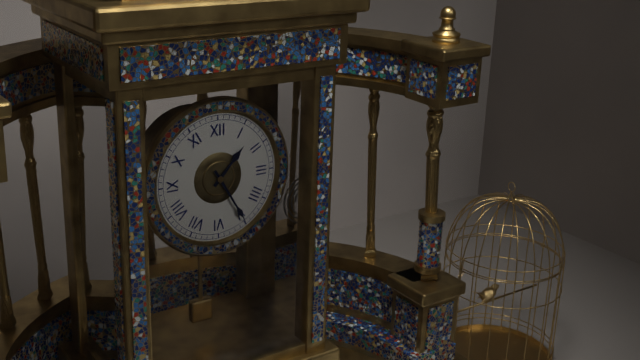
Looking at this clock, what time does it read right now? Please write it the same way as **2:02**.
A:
**1:25**
